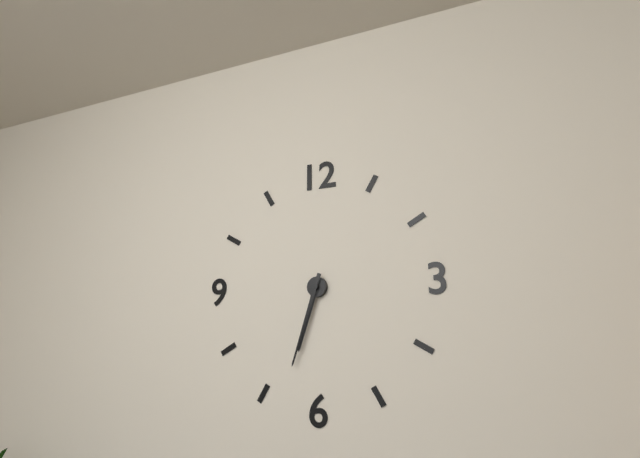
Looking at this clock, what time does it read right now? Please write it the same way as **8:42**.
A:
**6:33**
